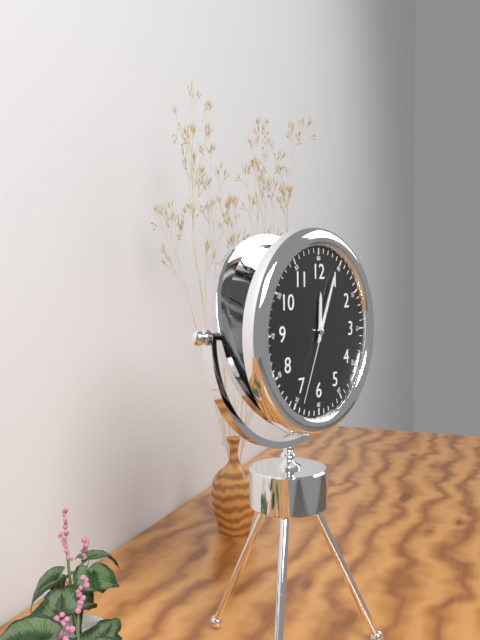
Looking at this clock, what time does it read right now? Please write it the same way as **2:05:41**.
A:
**12:04:34**
